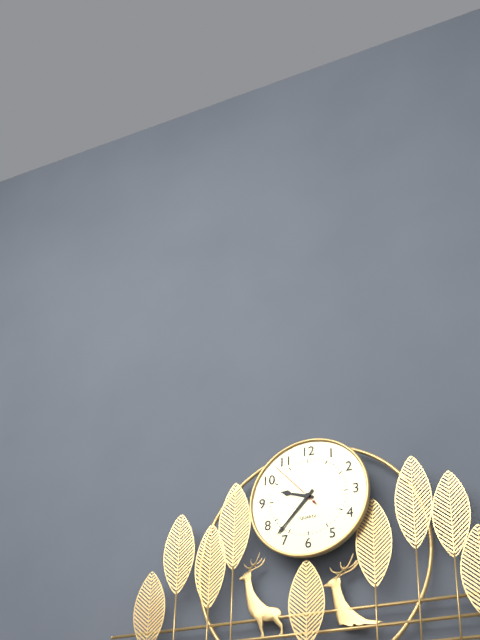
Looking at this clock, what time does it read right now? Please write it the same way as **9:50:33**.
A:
**9:37:53**
